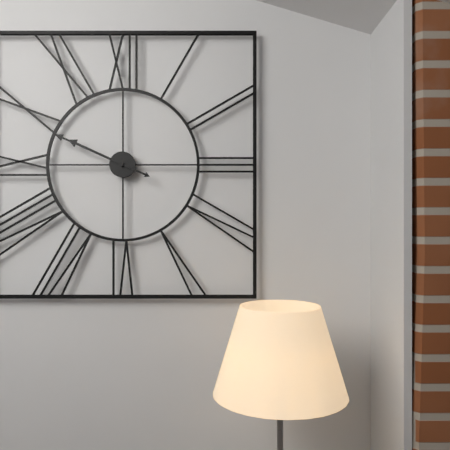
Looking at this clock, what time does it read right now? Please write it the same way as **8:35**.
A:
**9:49**
